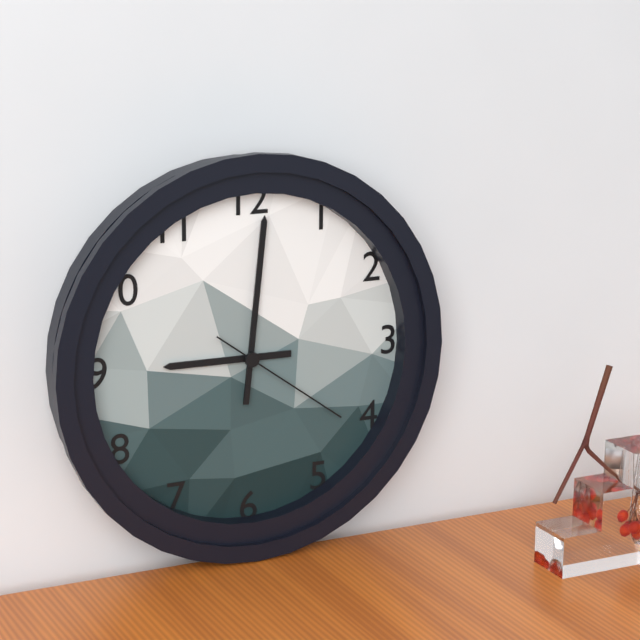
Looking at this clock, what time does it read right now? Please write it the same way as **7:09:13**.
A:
**9:01:21**
